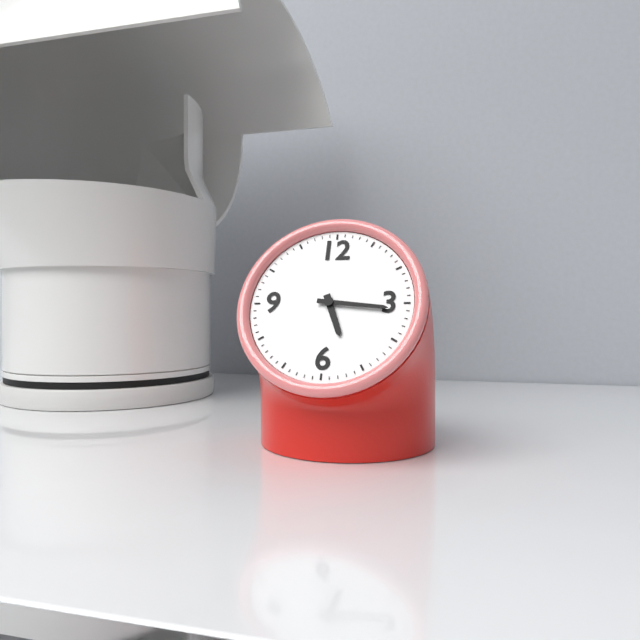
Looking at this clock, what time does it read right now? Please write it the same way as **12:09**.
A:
**5:16**
